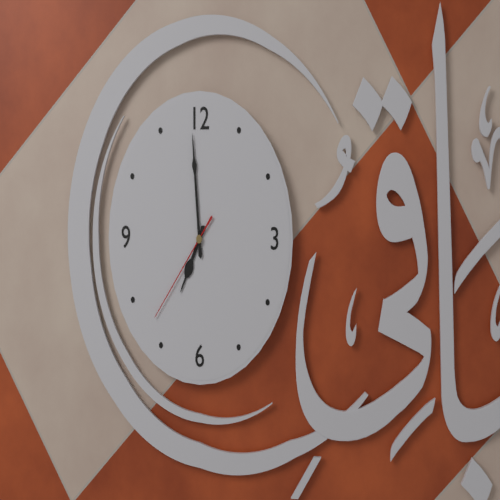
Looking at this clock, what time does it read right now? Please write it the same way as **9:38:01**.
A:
**6:59:37**
